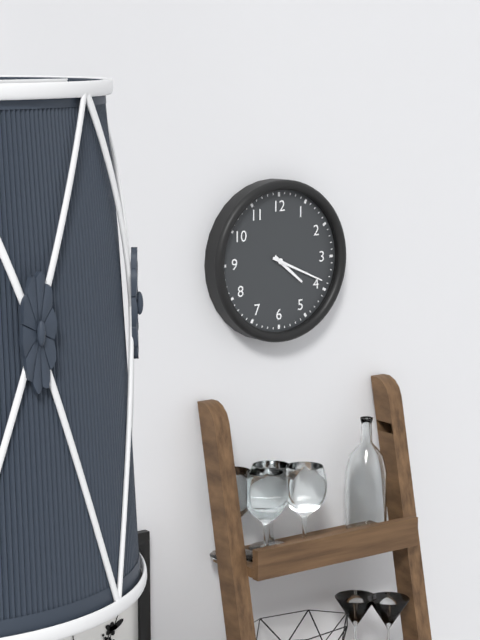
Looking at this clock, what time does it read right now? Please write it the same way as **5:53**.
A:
**4:19**
